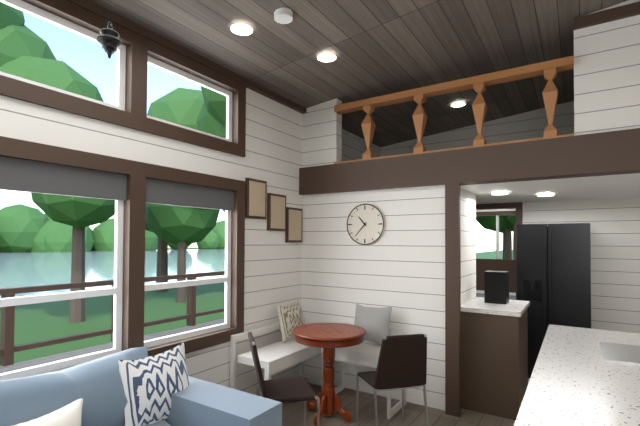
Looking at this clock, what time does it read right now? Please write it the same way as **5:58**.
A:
**10:37**
